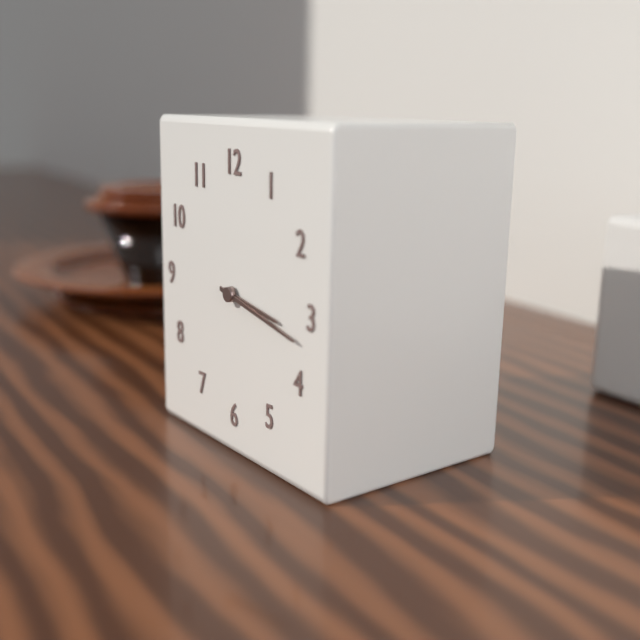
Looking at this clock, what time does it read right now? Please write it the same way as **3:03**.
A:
**3:17**
